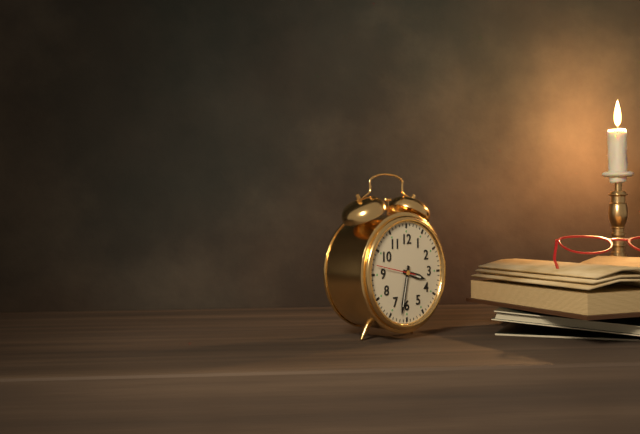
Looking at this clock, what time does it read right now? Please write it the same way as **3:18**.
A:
**3:32**
